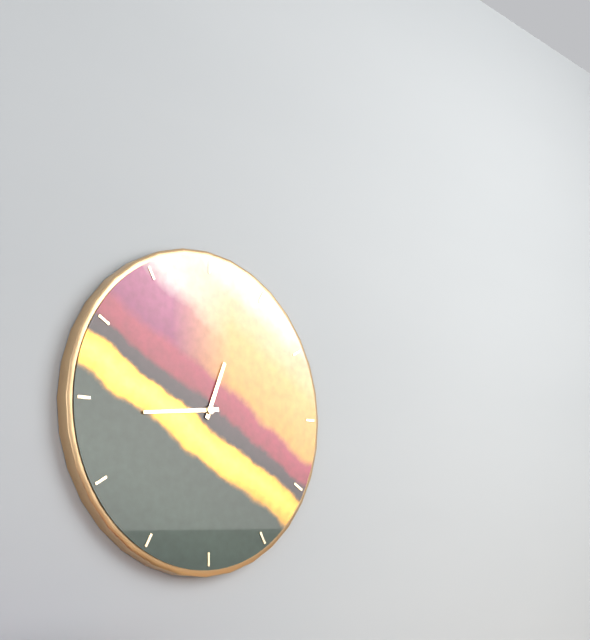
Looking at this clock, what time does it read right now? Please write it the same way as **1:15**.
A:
**12:44**
